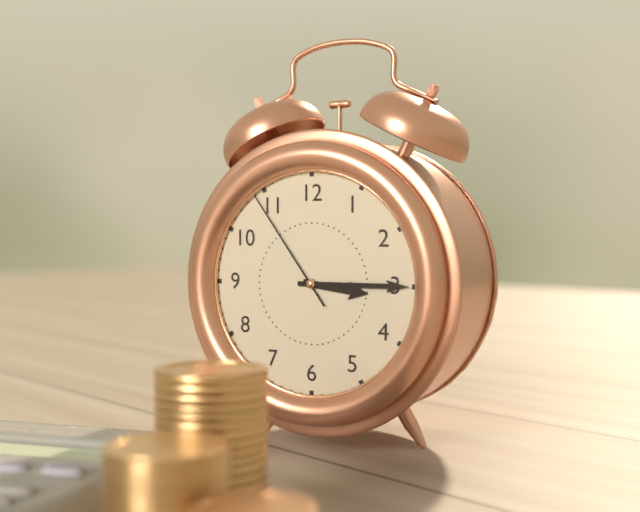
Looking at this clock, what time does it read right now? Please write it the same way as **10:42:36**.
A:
**3:15:54**
